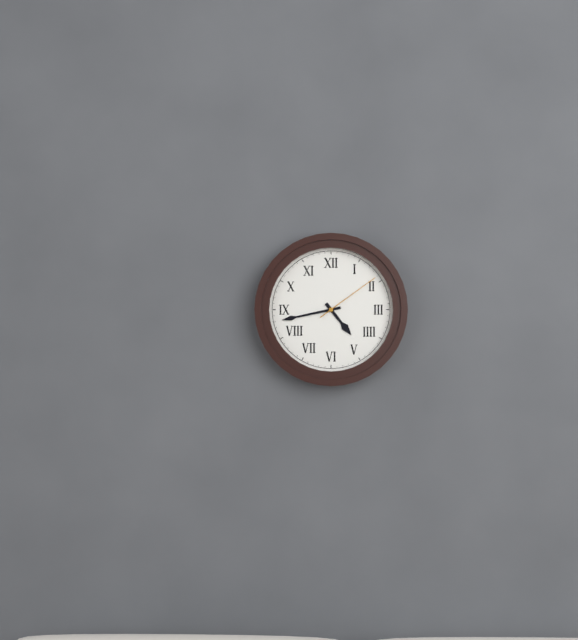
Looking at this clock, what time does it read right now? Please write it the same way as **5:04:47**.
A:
**4:43:09**
